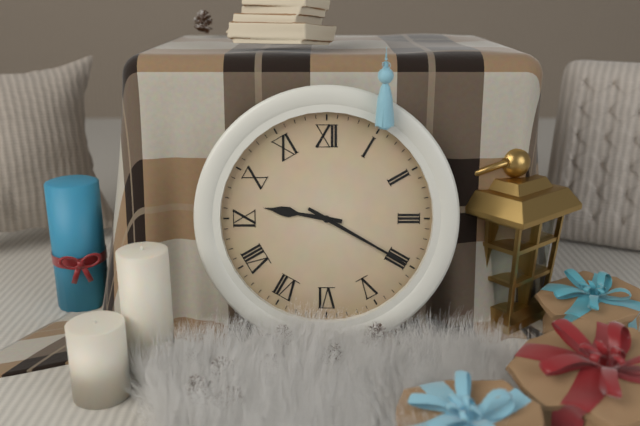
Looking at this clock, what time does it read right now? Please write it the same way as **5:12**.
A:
**9:20**
